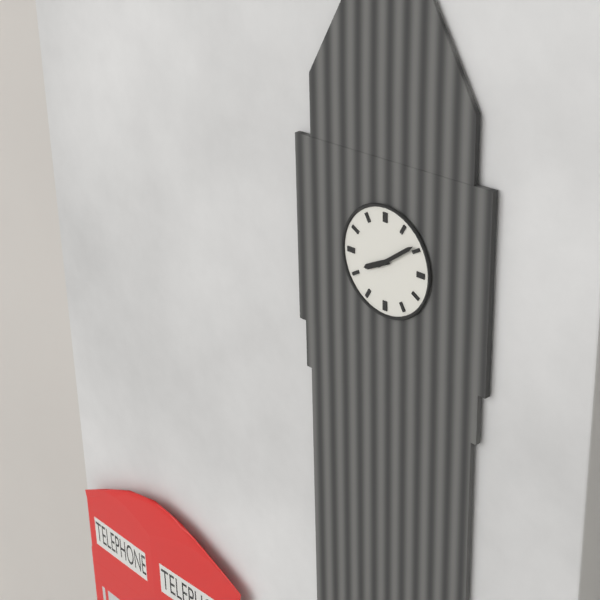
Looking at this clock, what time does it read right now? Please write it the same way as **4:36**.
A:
**8:09**
